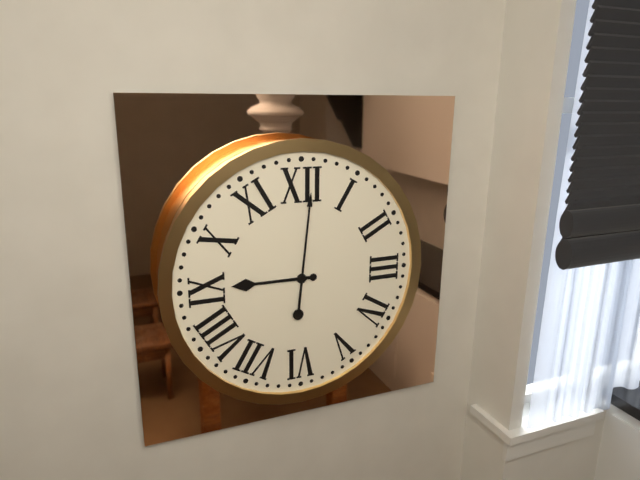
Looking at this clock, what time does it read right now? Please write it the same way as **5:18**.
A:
**9:01**
